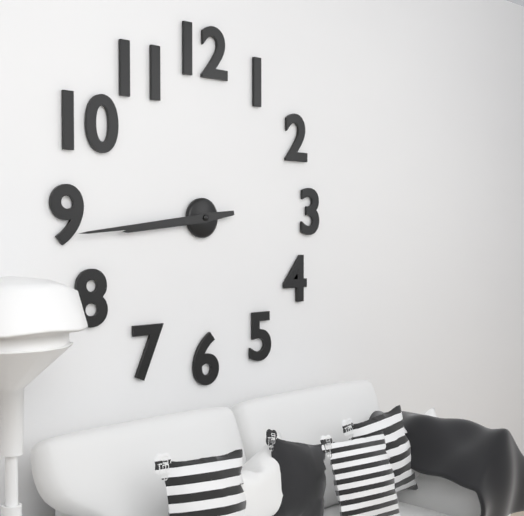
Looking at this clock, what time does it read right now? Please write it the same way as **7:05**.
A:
**8:44**
